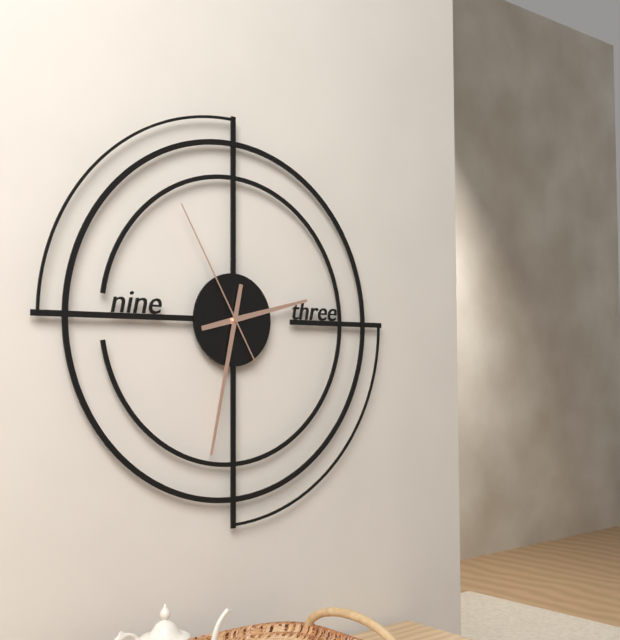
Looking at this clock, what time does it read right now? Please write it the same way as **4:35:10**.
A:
**2:32:55**
